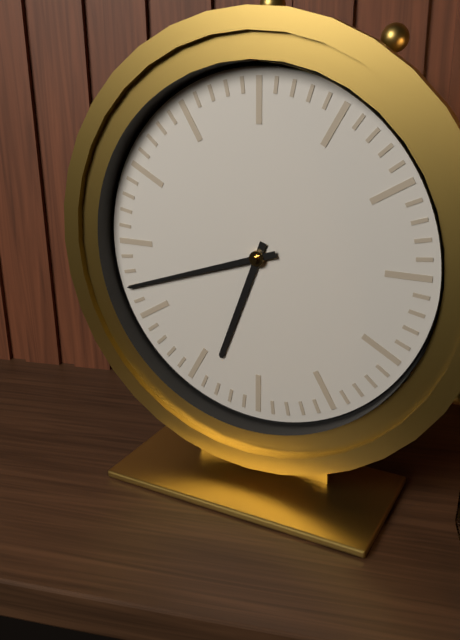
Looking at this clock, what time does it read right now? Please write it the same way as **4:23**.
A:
**6:42**
